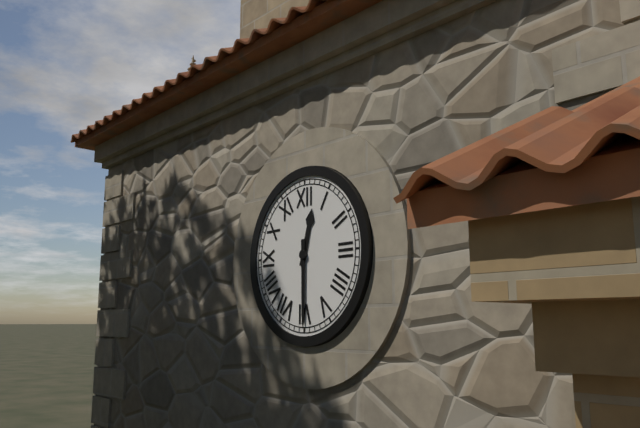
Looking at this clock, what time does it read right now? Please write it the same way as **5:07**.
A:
**12:30**
